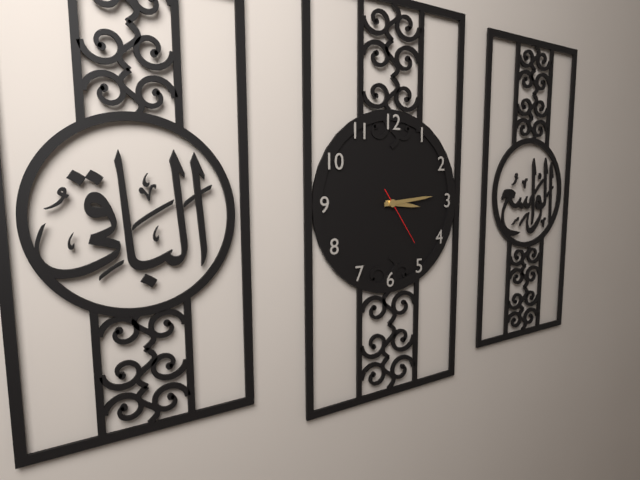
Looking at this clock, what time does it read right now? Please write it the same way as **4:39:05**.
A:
**3:14:24**
